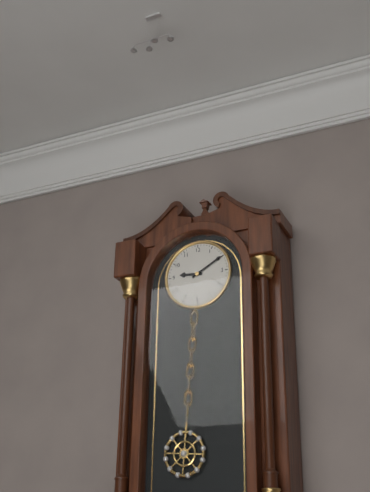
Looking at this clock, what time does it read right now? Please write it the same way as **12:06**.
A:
**9:10**
